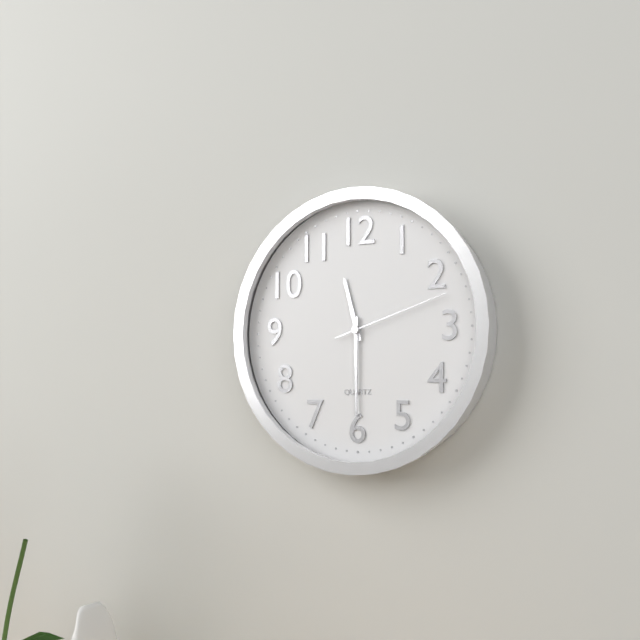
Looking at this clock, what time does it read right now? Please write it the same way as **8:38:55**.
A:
**11:30:12**
